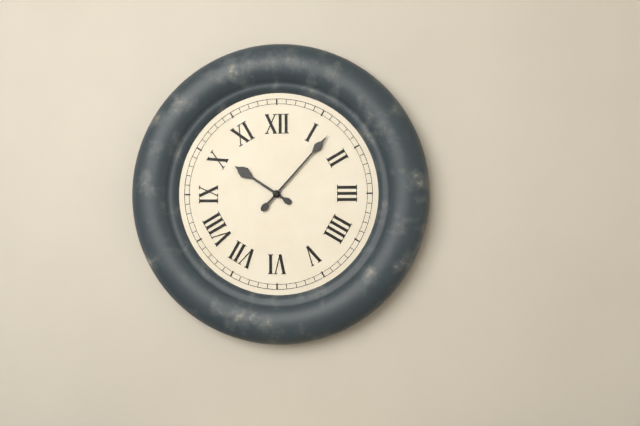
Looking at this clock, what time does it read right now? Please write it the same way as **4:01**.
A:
**10:07**
